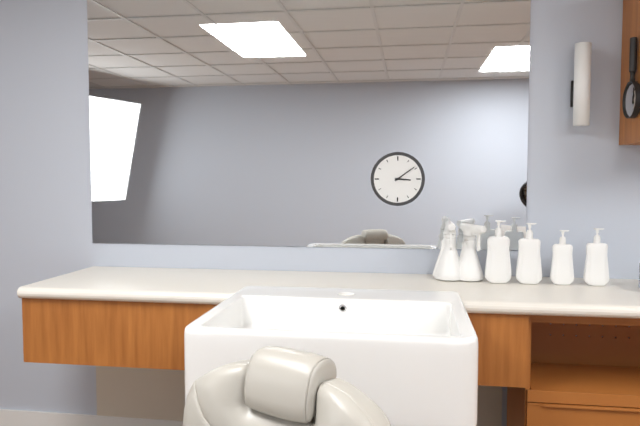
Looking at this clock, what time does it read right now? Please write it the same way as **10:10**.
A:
**3:09**
